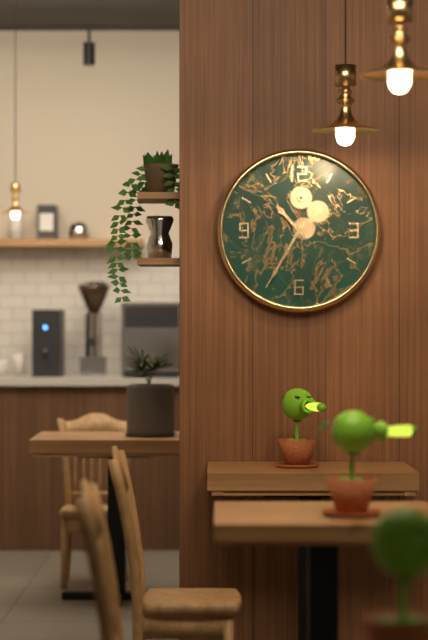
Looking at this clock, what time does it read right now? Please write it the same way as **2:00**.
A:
**10:35**
